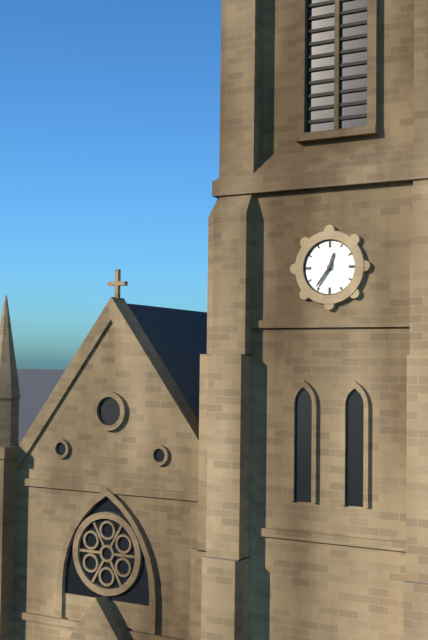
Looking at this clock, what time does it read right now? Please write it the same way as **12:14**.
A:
**12:36**
